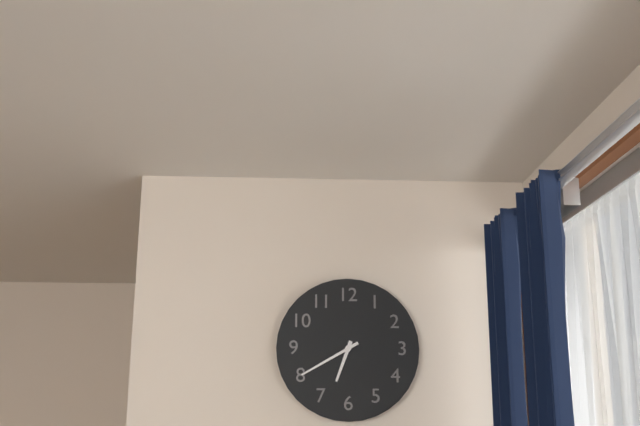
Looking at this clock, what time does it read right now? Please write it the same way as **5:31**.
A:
**6:40**
